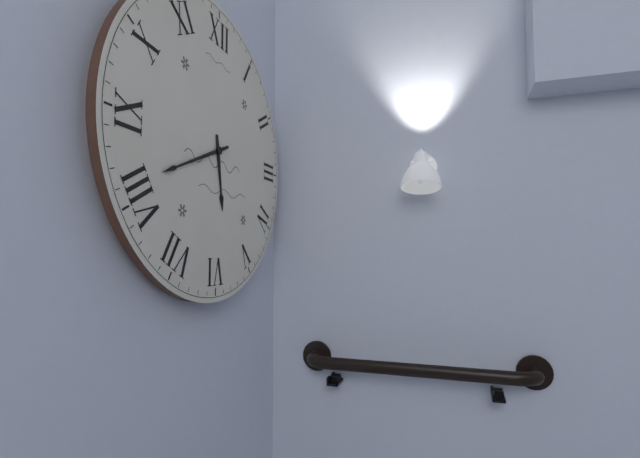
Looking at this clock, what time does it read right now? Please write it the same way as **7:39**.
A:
**5:41**
